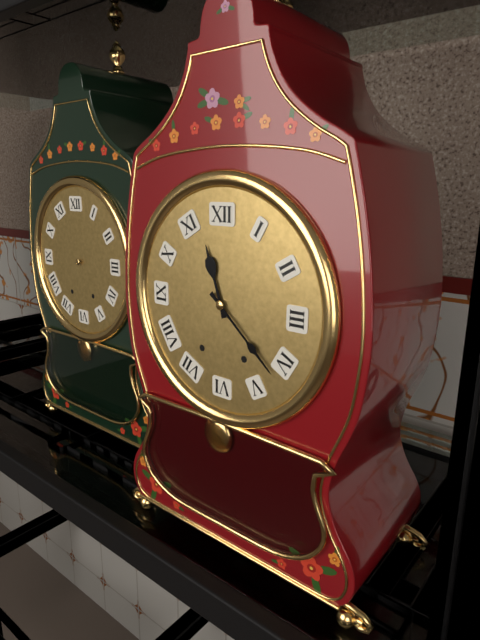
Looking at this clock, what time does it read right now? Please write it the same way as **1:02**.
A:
**11:22**
